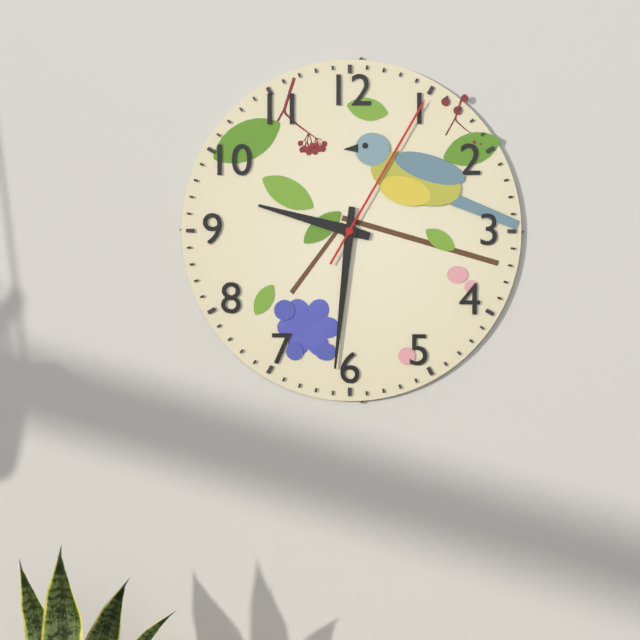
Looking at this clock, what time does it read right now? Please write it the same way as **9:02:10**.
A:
**9:31:05**
